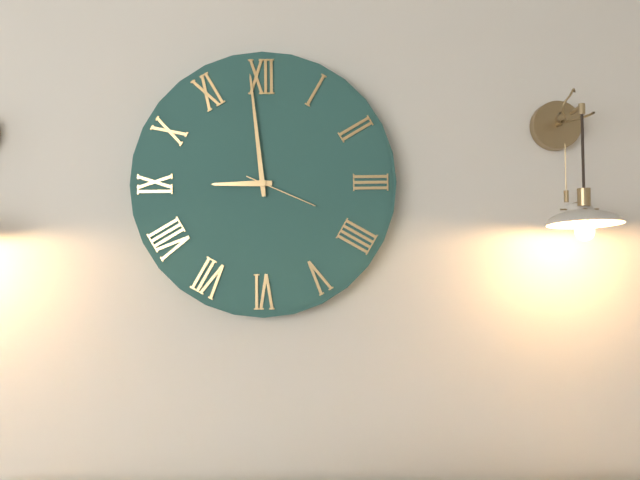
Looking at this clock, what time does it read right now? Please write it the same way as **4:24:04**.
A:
**8:59:19**
